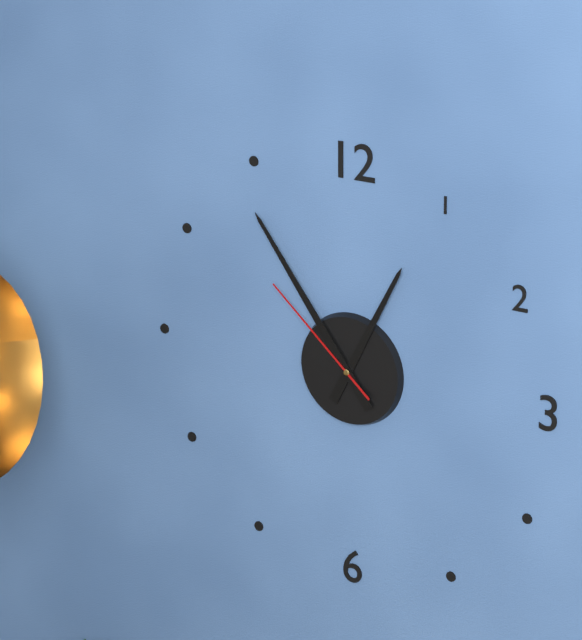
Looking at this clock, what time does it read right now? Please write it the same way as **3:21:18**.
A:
**12:54:52**
